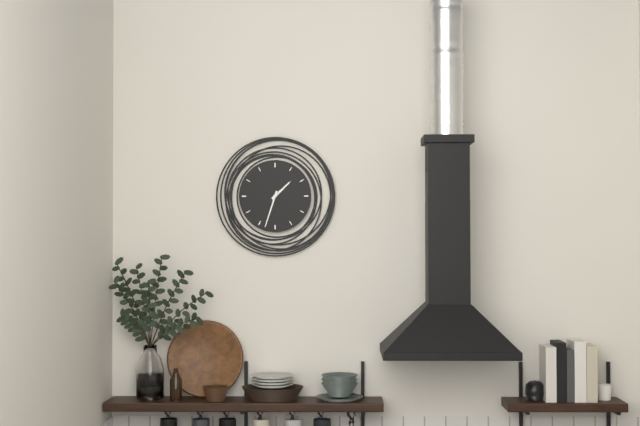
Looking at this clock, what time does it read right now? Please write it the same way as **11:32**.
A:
**1:33**
